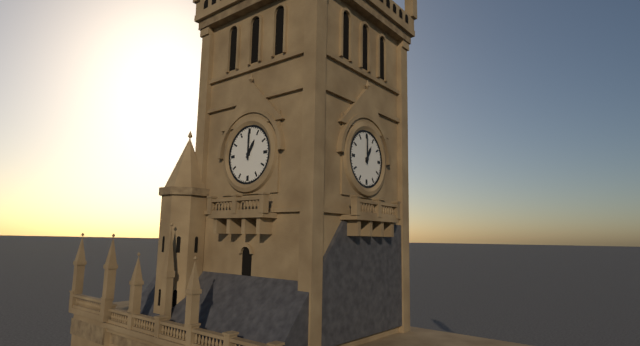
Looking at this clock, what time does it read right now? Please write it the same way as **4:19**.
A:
**1:00**
